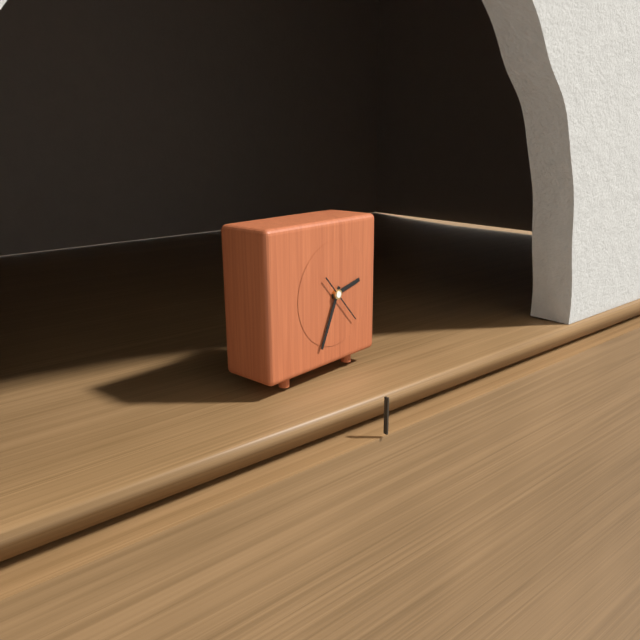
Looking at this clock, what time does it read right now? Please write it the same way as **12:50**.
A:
**2:34**
